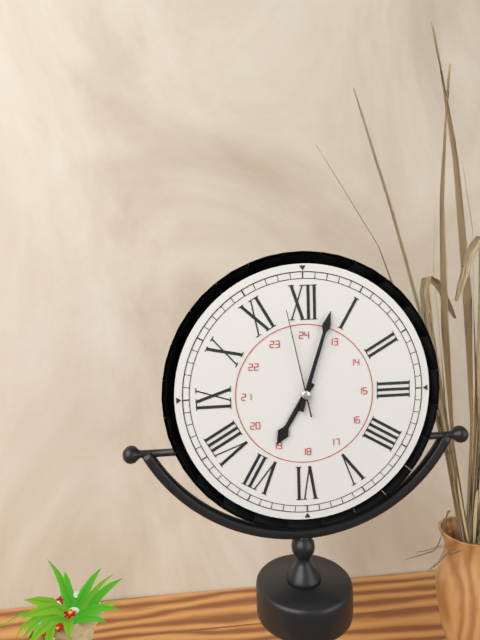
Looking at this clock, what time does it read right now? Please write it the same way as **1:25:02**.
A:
**7:03:58**
